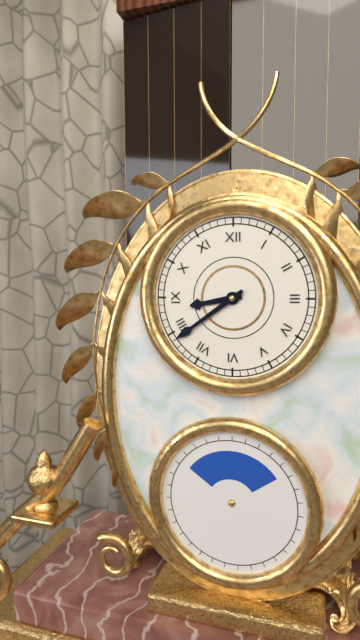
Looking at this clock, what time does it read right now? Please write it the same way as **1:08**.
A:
**8:39**
